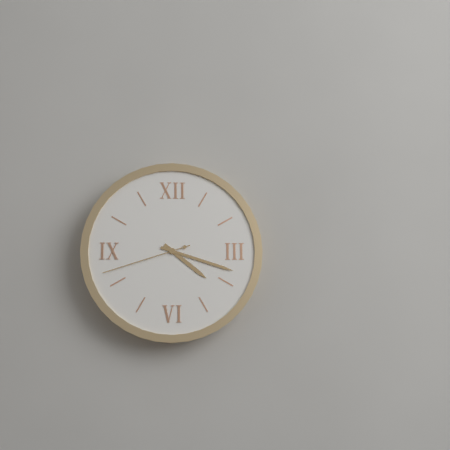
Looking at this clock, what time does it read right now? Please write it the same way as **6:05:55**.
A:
**4:18:42**
